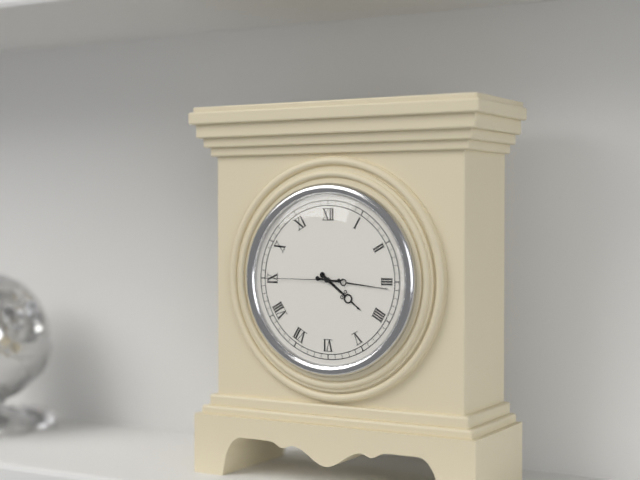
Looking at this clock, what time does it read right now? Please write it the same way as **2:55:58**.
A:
**4:16:45**
